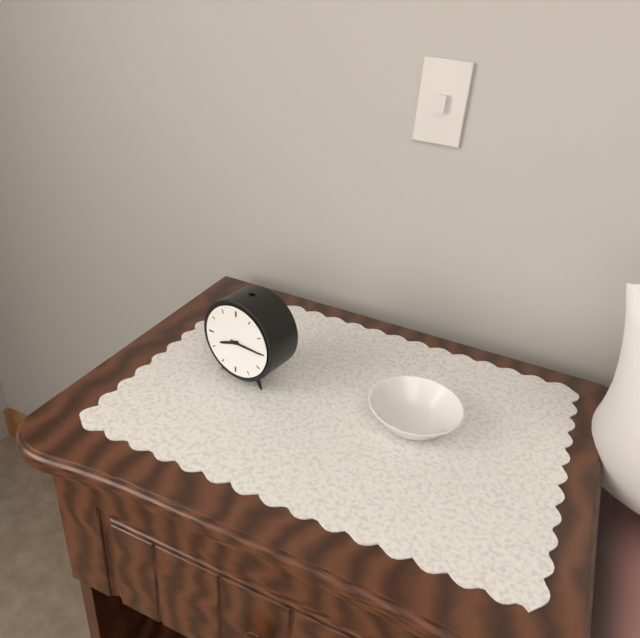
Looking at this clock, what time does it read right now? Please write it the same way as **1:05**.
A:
**8:15**
